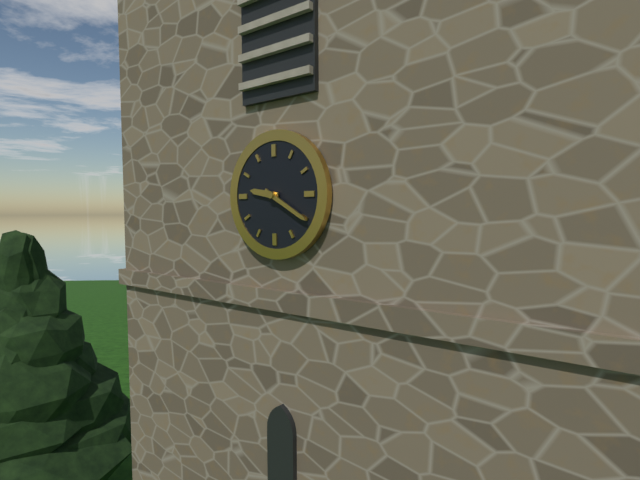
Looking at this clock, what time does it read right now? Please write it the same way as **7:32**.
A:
**9:20**
